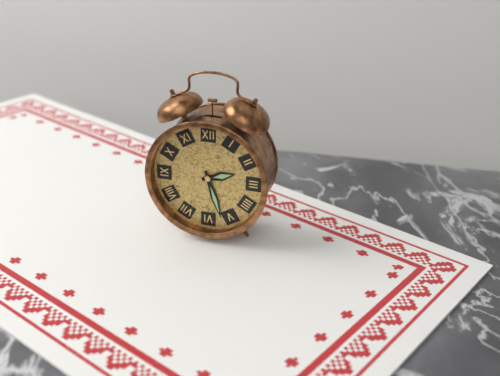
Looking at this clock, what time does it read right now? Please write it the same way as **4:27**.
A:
**2:27**
